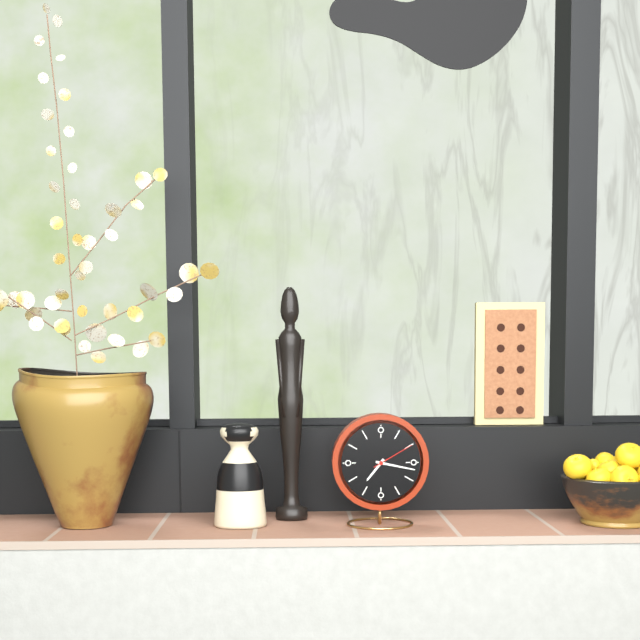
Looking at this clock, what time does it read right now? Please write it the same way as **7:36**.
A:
**7:17**
